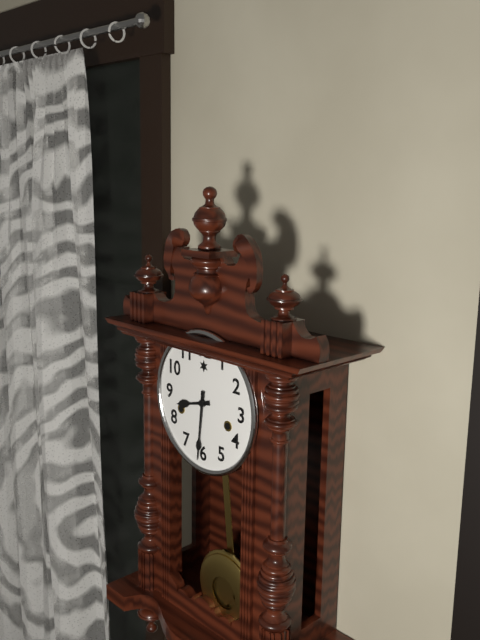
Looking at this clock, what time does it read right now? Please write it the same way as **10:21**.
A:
**8:31**
